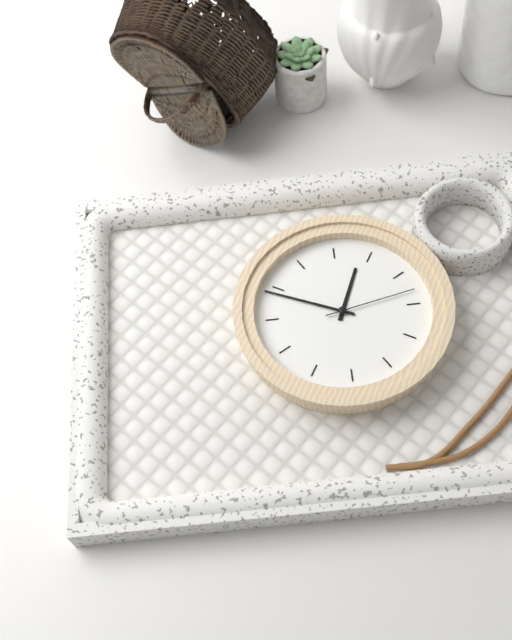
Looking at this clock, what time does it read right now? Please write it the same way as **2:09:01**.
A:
**11:44:08**
